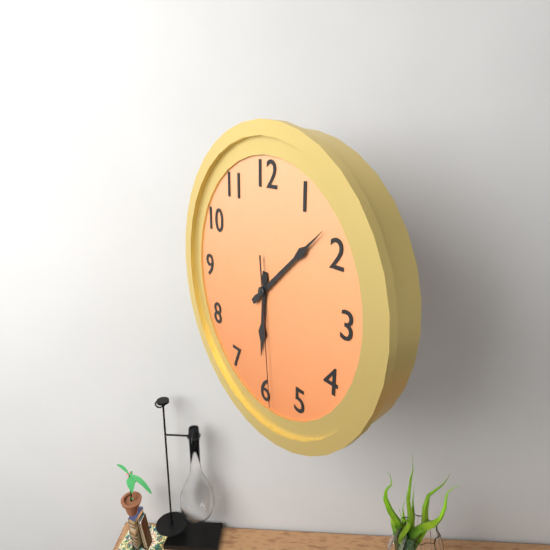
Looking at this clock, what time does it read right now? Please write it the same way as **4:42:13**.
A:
**6:08:29**
